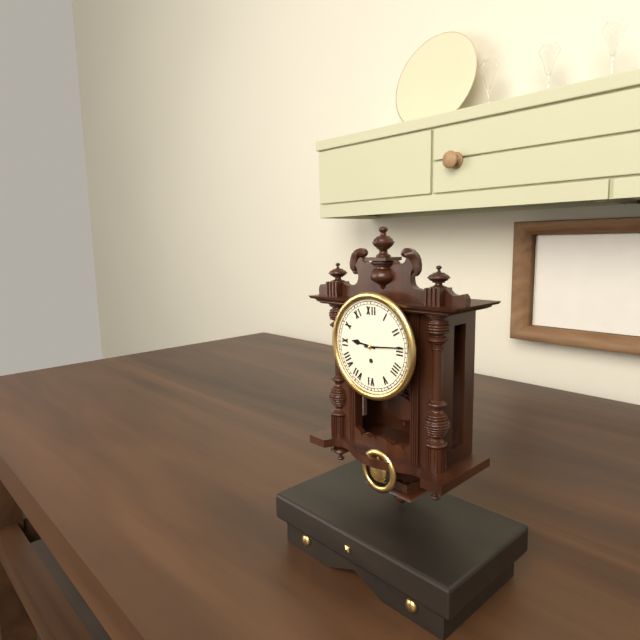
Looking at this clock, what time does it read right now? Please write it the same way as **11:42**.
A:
**9:14**
